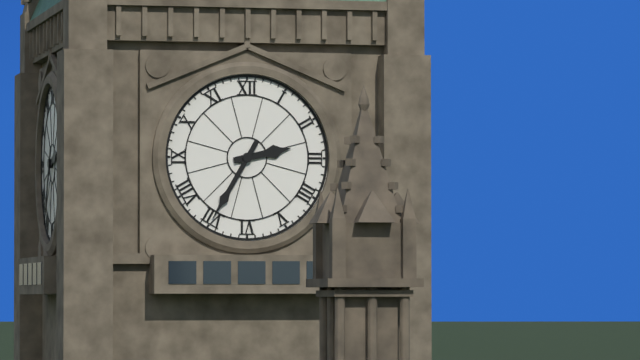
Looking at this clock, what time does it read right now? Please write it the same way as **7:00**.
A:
**2:35**
